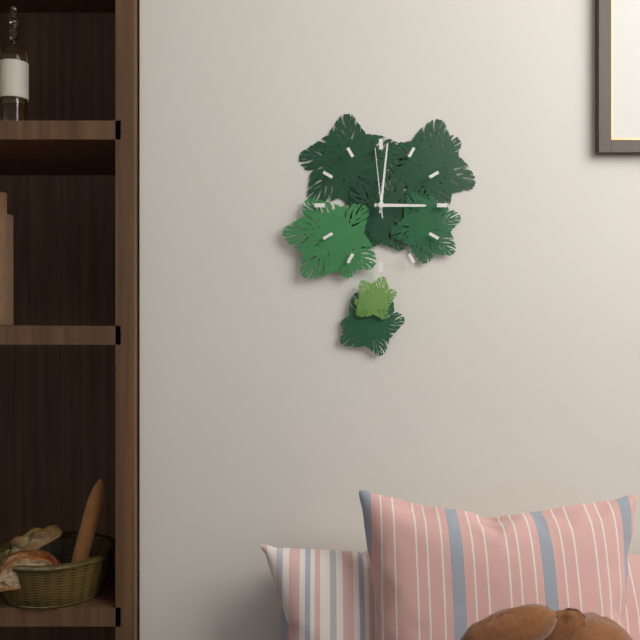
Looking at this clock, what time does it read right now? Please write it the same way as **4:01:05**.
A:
**3:01:59**
